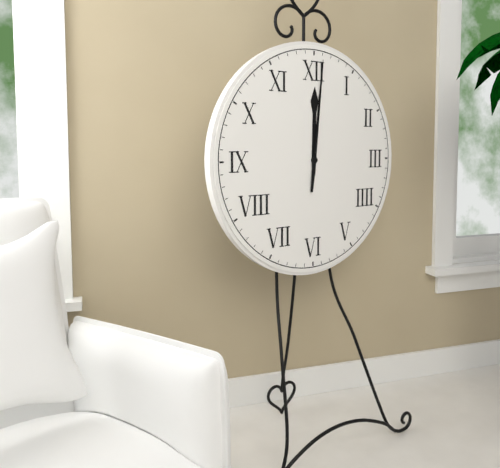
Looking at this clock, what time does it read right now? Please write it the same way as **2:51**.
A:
**12:01**
